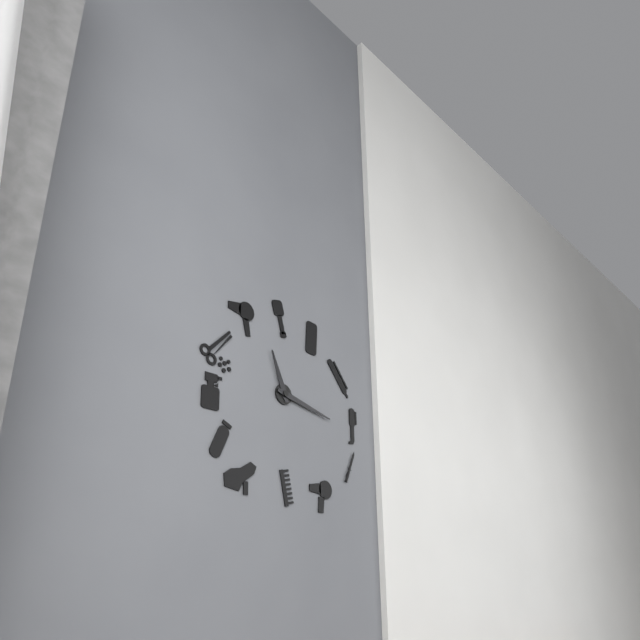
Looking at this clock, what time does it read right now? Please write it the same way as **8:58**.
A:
**11:17**
